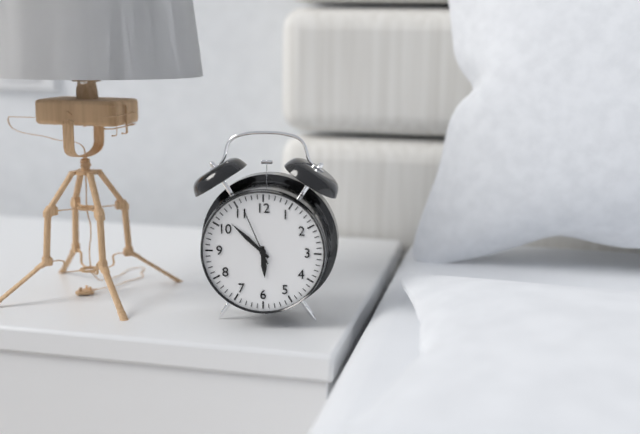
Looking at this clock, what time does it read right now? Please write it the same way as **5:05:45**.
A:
**5:52:56**
